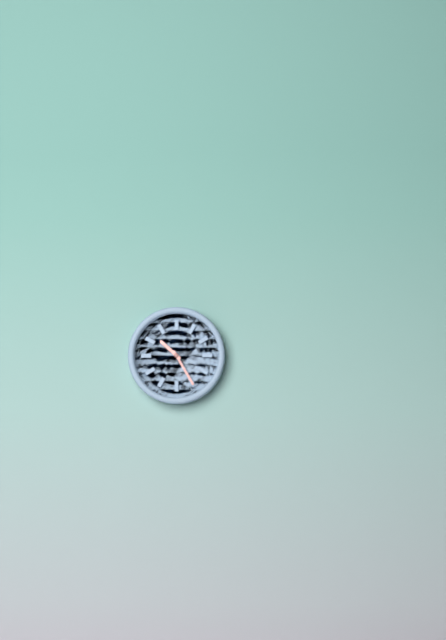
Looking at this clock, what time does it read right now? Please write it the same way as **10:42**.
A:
**10:25**
